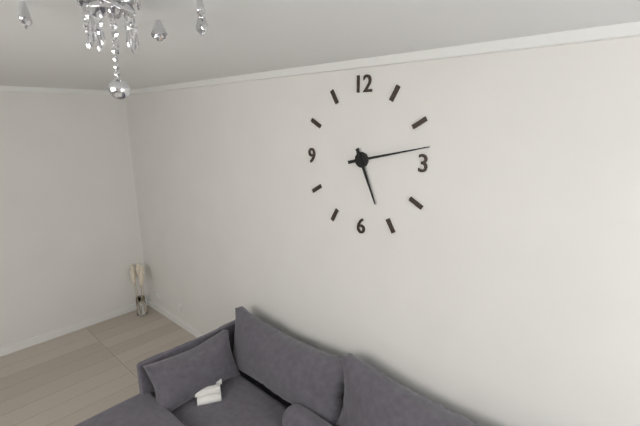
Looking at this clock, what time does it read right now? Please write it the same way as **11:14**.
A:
**5:13**
